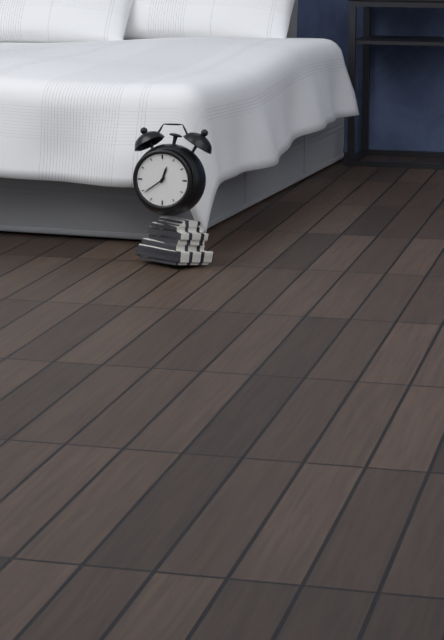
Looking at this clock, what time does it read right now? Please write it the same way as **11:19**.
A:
**12:39**
